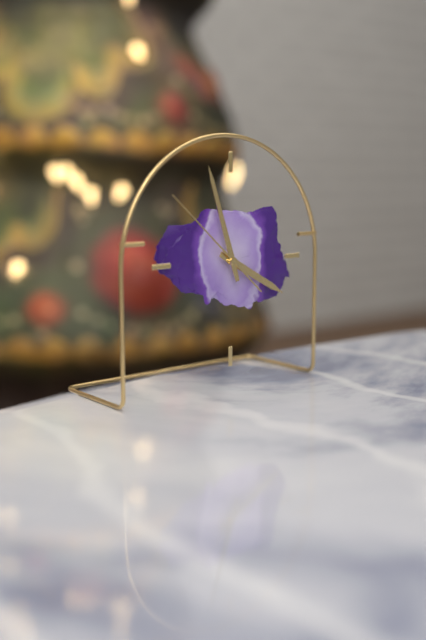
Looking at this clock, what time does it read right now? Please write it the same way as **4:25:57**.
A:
**3:57:52**
